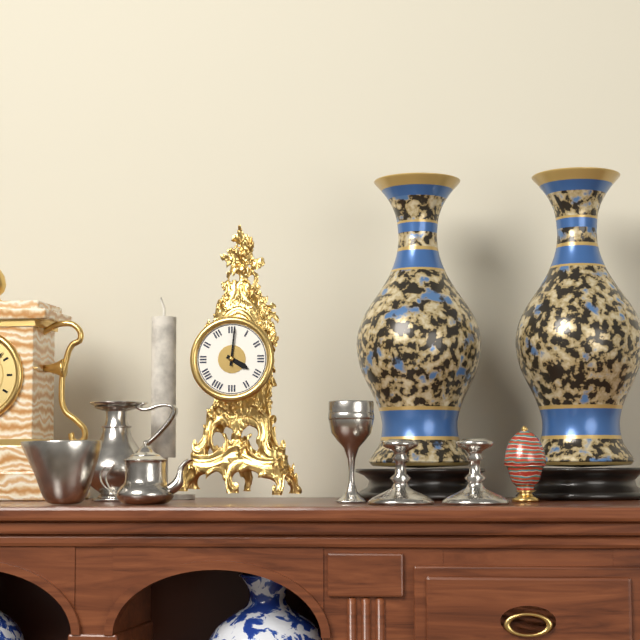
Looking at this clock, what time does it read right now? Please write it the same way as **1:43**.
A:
**4:01**
